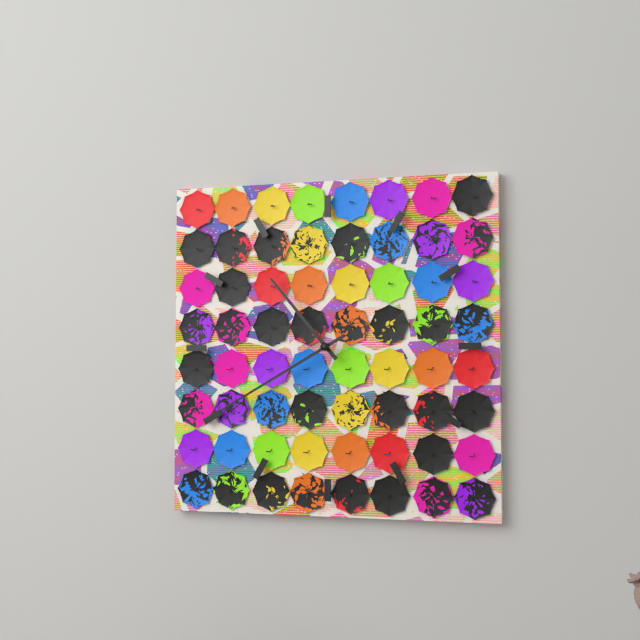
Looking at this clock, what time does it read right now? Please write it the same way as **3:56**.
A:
**10:40**
